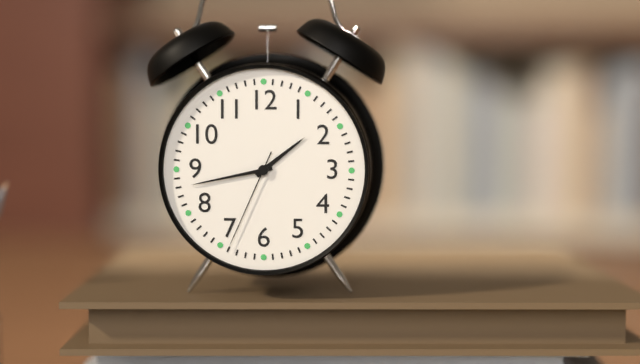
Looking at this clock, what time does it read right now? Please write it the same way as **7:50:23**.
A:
**1:43:34**
